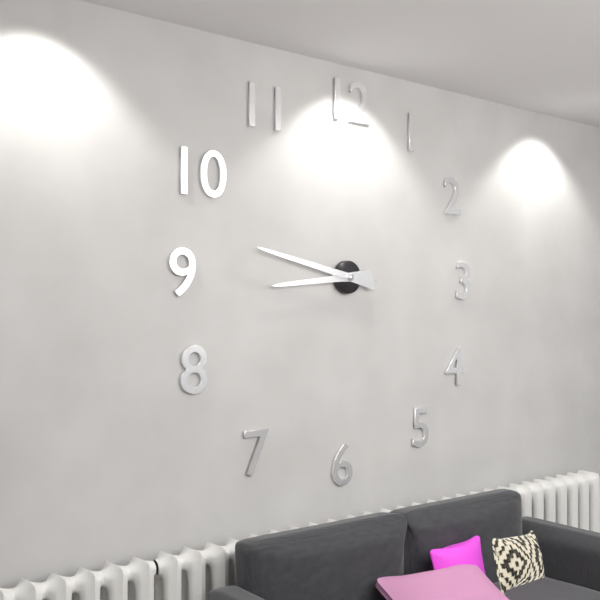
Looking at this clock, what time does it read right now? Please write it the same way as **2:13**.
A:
**8:47**
